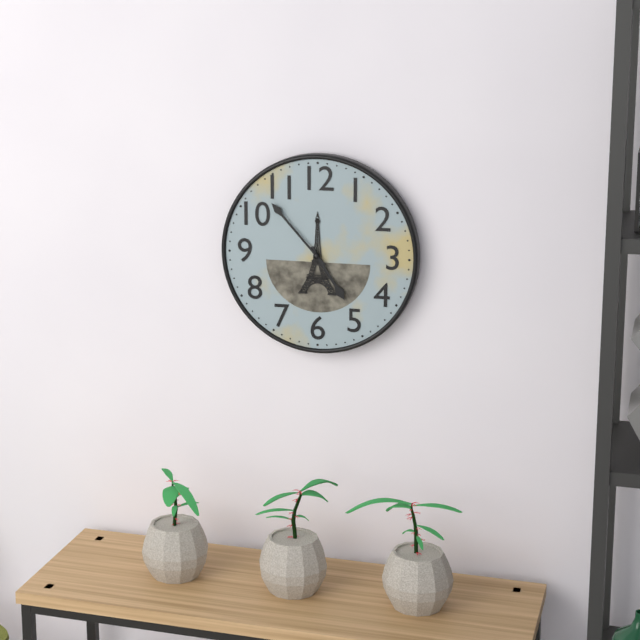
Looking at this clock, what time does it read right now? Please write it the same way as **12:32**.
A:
**4:53**
